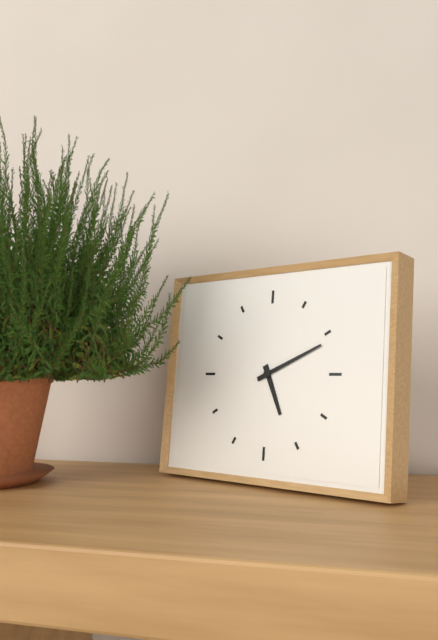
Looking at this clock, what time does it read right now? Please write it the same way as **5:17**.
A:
**5:11**
